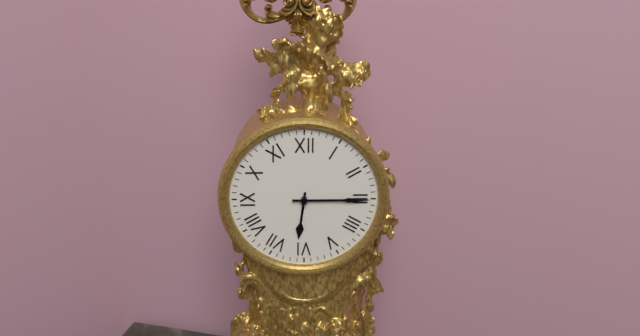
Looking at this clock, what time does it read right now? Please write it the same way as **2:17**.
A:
**6:15**
